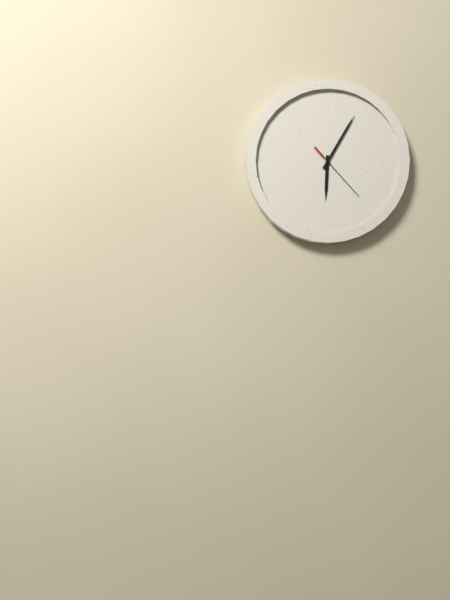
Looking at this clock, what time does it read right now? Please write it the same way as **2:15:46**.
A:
**6:05:23**
